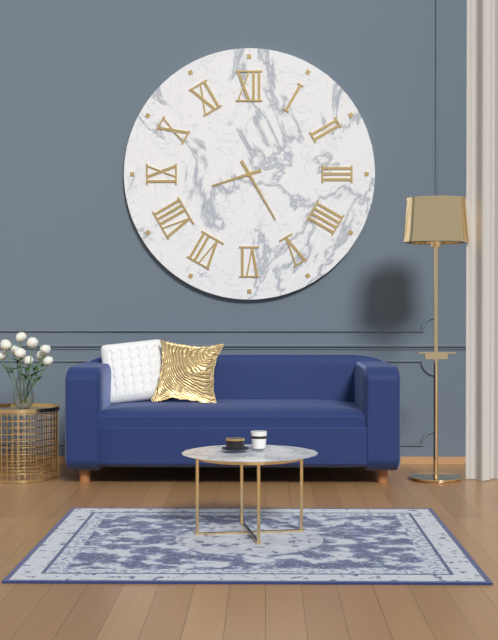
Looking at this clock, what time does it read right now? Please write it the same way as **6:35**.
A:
**8:25**
